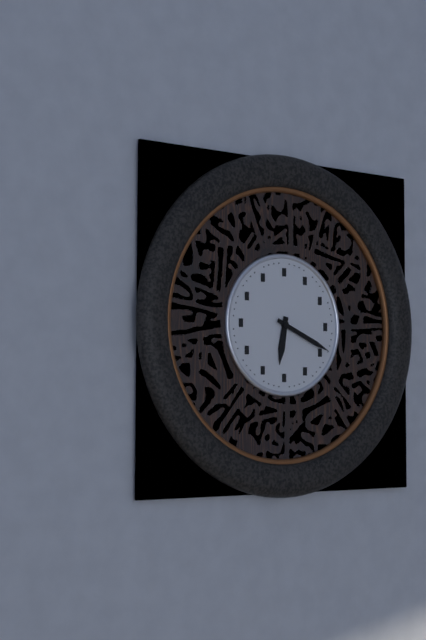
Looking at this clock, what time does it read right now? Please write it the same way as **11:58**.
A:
**6:19**
